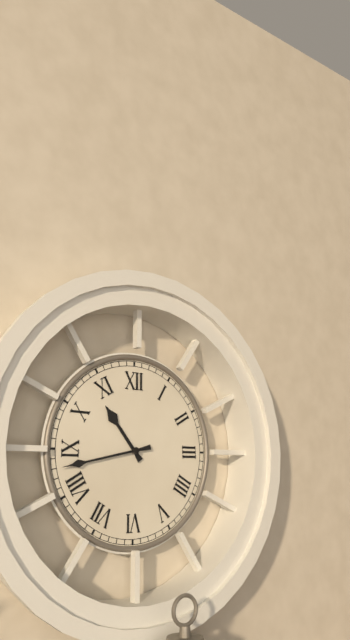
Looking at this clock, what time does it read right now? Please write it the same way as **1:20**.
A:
**10:43**
